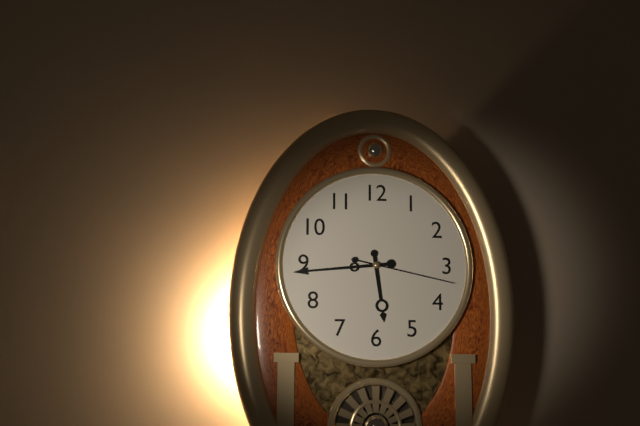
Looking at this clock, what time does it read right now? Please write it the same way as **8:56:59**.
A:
**5:44:17**
